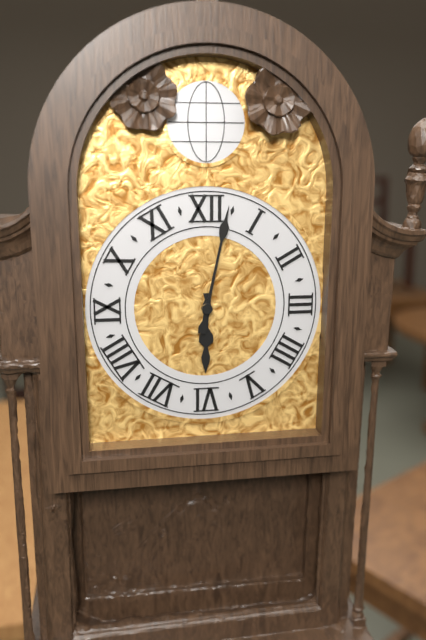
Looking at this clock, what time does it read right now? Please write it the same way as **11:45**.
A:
**6:02**
